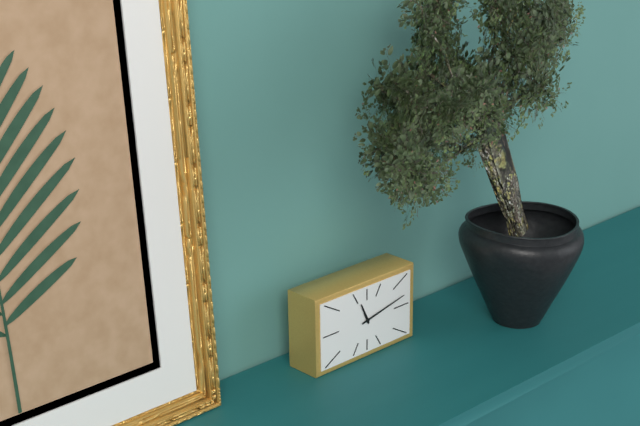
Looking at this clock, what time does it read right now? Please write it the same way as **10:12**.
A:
**11:13**
